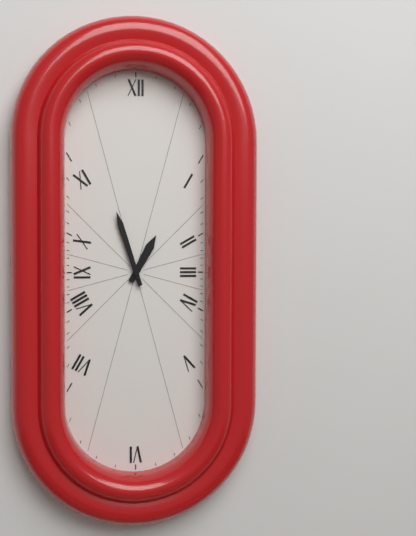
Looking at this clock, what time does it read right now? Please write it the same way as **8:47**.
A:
**12:57**
